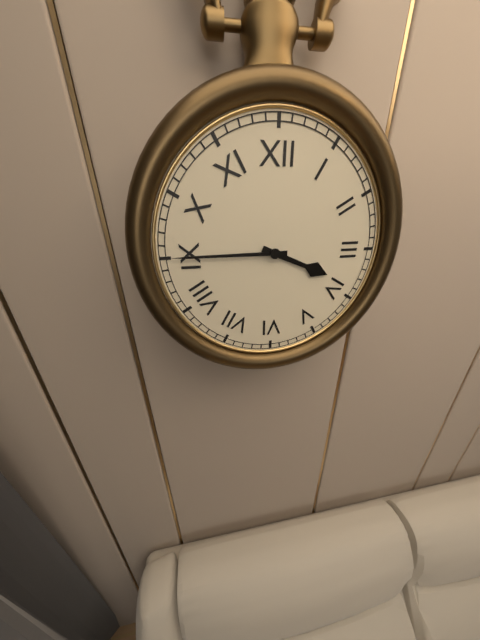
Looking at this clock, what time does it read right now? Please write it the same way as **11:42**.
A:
**3:45**
